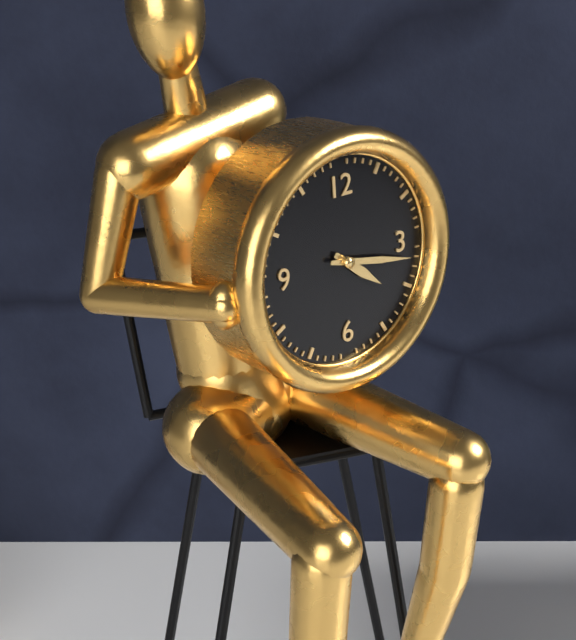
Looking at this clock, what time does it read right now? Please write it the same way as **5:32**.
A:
**4:17**
